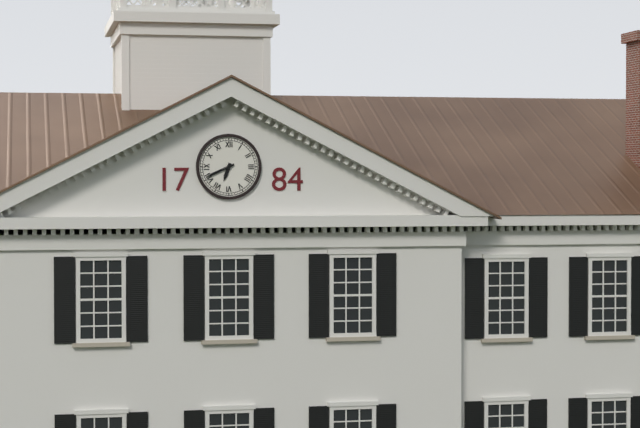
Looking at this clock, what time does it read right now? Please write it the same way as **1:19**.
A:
**6:41**
